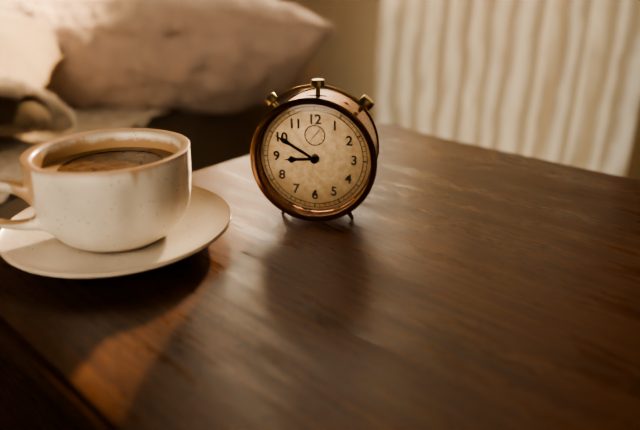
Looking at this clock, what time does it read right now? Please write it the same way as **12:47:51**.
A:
**8:50:54**
